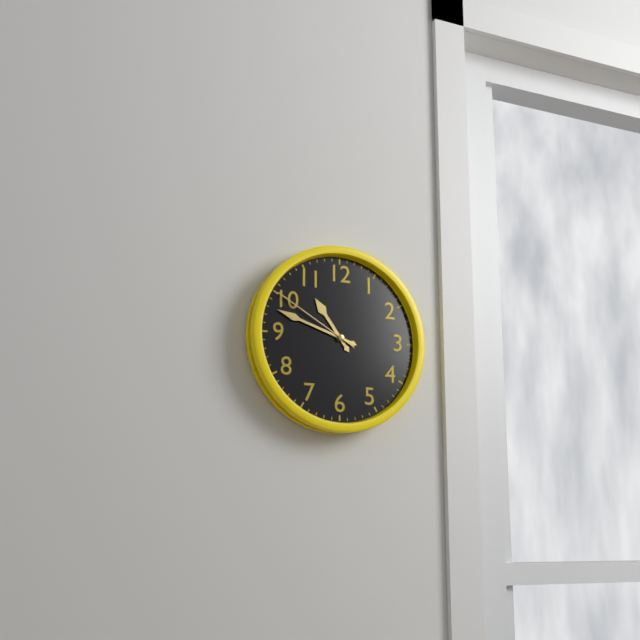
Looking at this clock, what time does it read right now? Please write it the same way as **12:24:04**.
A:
**10:48:50**
